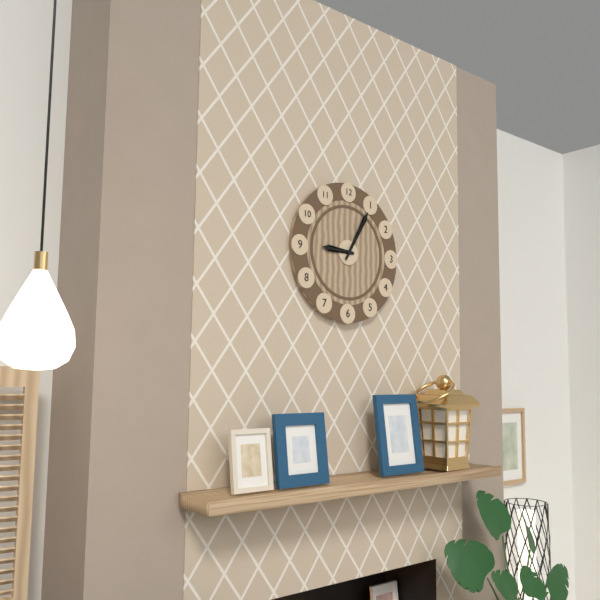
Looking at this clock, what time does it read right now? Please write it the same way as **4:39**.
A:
**9:05**
